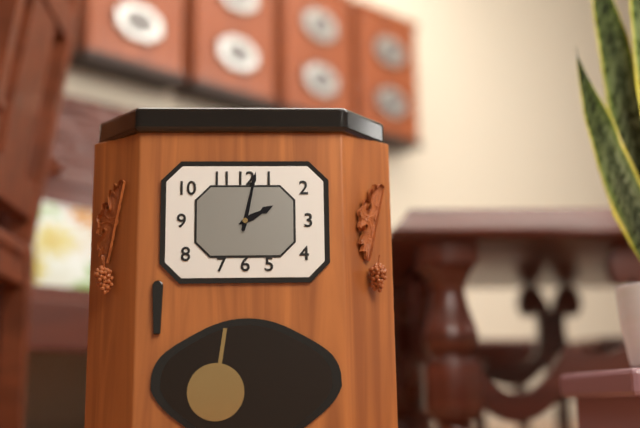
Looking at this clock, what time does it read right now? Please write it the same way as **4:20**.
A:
**2:02**
